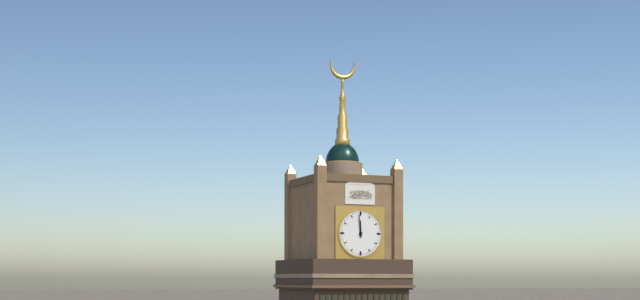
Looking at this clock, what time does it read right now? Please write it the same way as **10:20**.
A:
**11:59**
